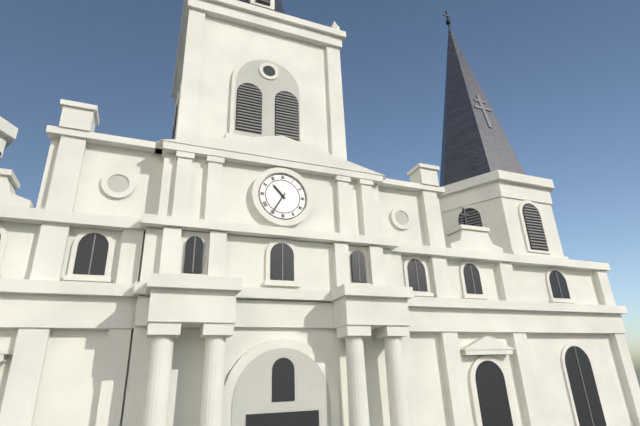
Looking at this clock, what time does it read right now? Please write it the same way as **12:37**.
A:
**10:35**
